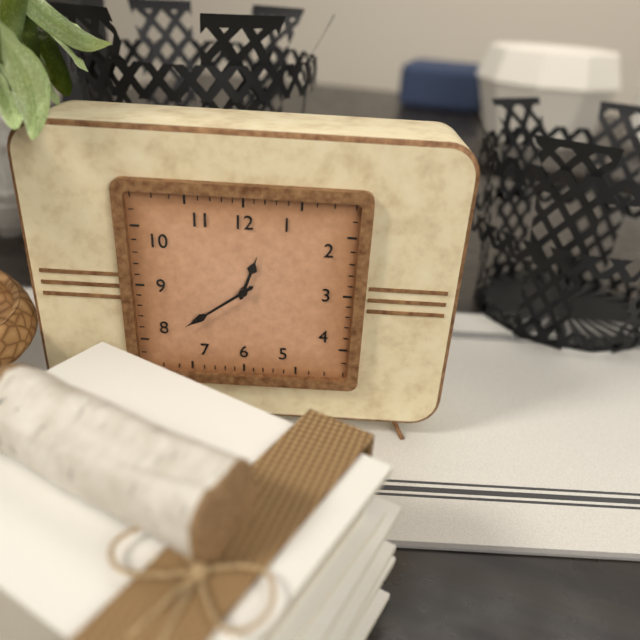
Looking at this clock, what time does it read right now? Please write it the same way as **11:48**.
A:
**12:39**
